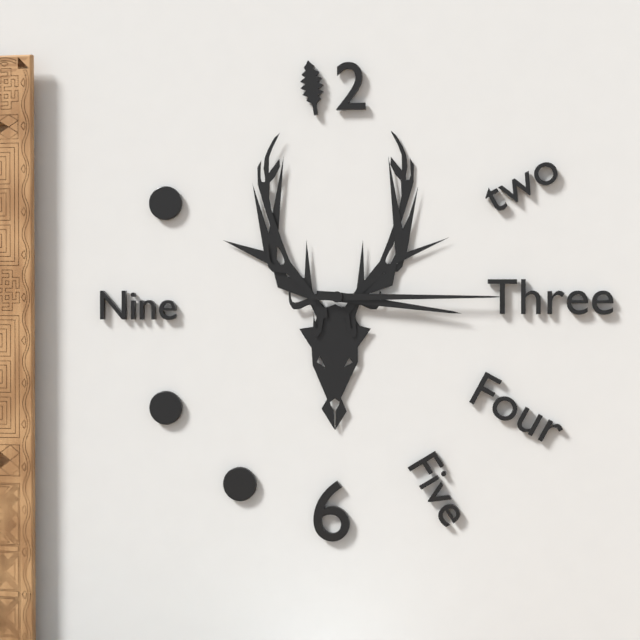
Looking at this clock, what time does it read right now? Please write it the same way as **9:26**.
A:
**3:15**
